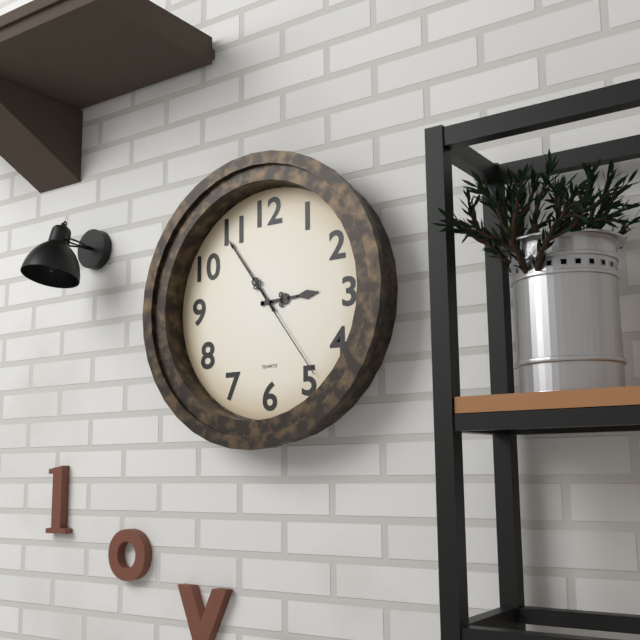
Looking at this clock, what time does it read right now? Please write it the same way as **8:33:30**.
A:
**2:54:24**
